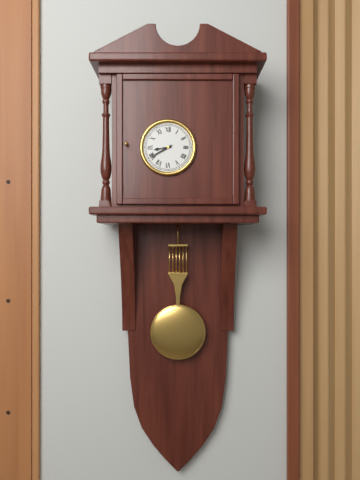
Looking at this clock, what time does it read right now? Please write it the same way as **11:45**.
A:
**8:40**
